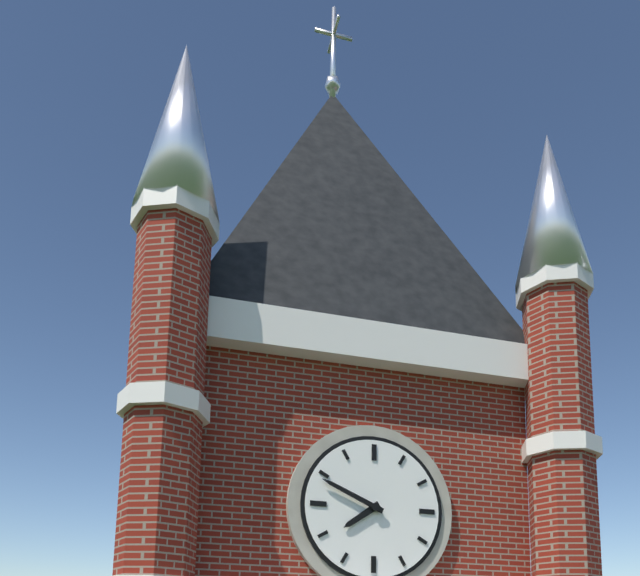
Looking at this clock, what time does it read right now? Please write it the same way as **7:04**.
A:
**7:49**
